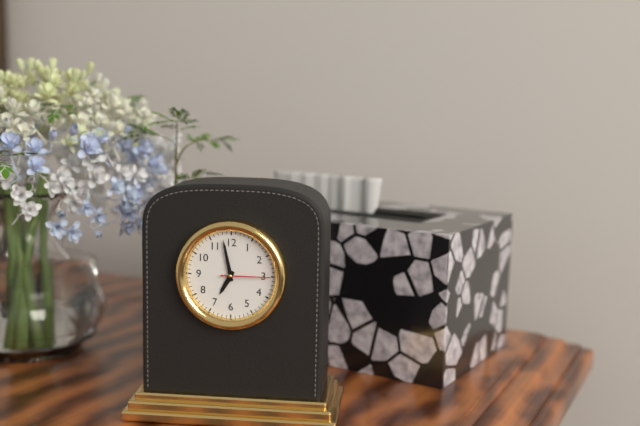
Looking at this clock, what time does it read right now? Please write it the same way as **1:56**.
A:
**6:58**
